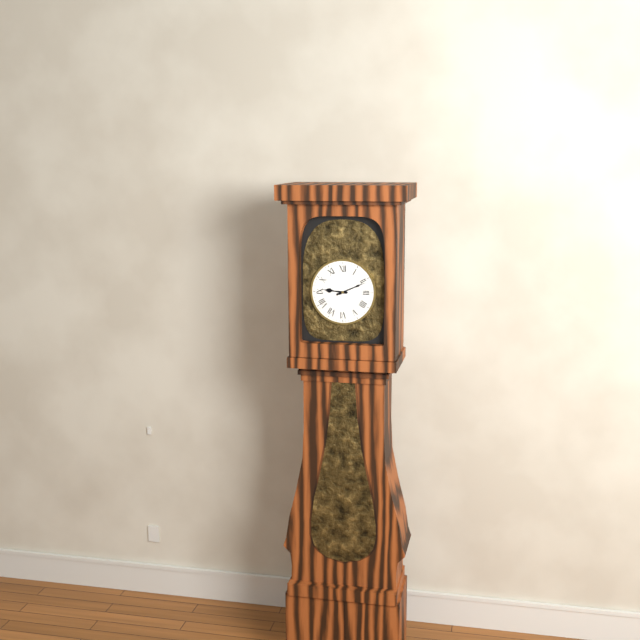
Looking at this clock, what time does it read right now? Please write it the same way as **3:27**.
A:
**9:11**
